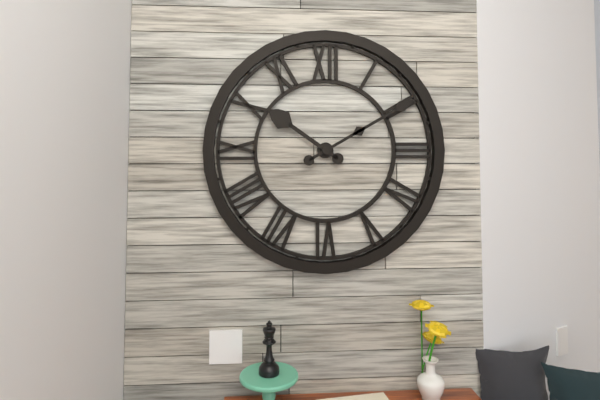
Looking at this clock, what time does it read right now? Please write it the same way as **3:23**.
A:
**10:10**
